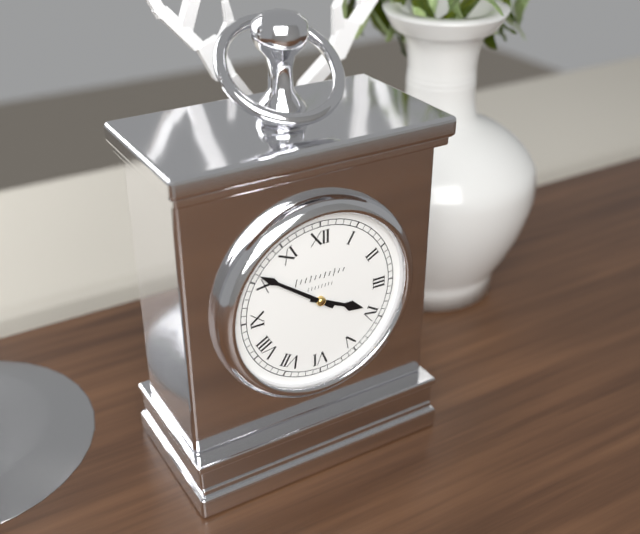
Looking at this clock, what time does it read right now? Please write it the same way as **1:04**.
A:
**3:51**
